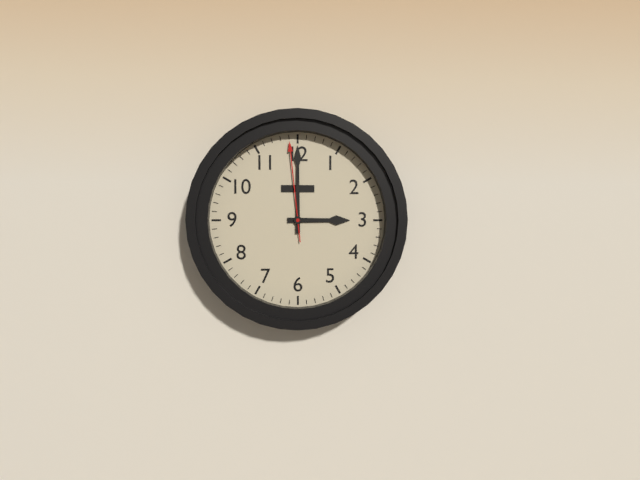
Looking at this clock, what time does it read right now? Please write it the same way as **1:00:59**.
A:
**3:00:59**
